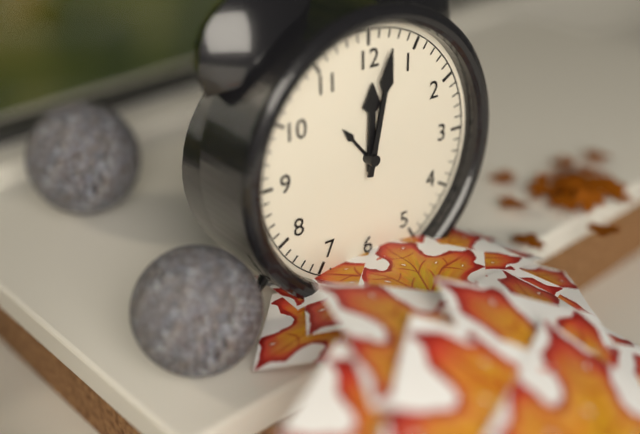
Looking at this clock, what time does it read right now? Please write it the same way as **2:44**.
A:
**12:02**
